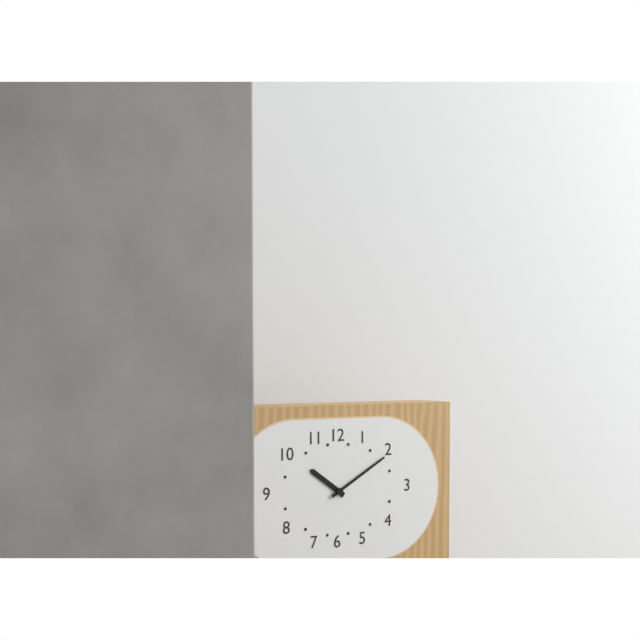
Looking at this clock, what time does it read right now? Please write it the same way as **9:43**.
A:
**10:10**
